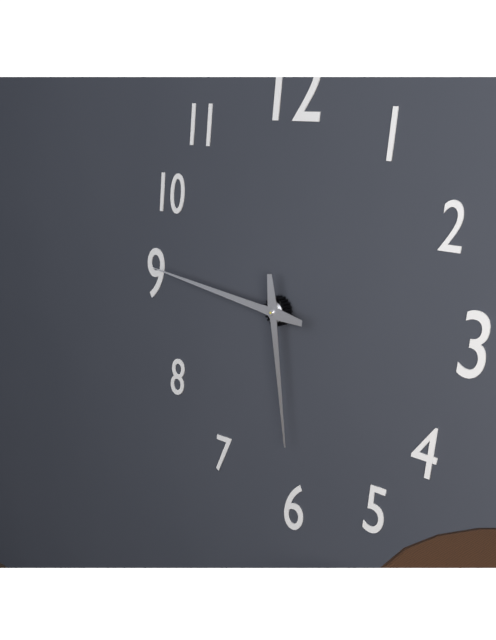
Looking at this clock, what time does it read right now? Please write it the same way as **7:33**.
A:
**5:46**
